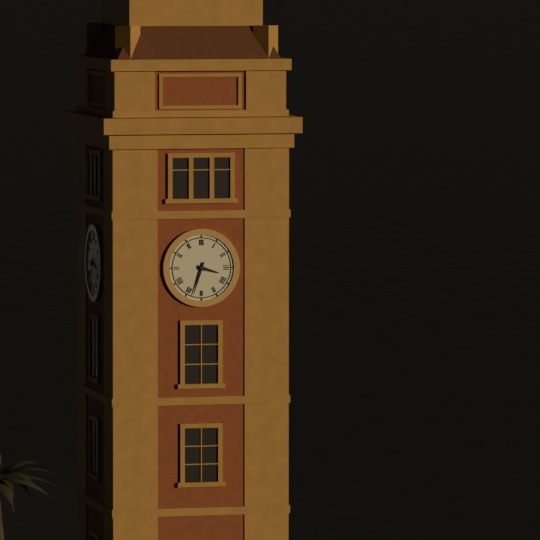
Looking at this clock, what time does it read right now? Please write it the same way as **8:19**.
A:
**3:33**
